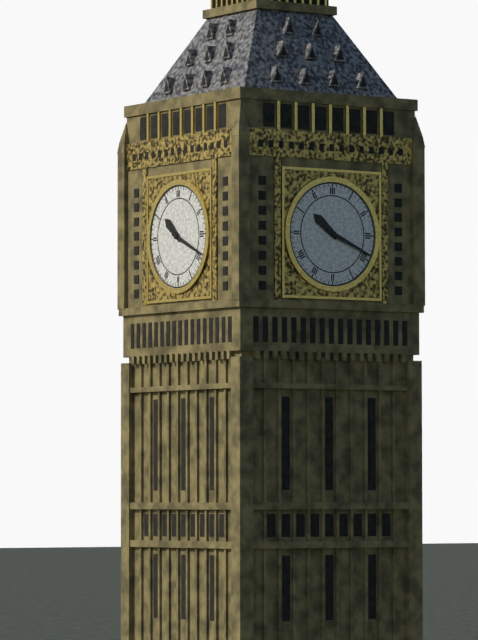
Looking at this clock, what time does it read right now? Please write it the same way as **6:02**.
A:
**10:19**
